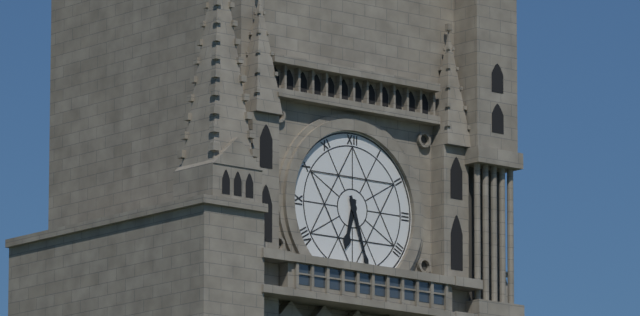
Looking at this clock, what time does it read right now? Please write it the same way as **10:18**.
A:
**6:27**
